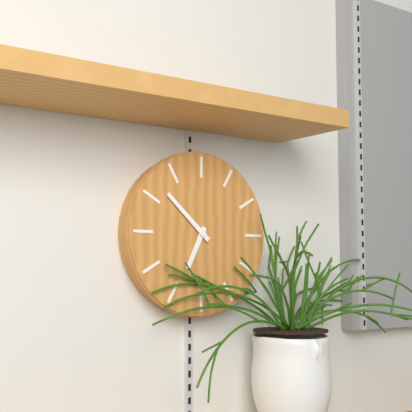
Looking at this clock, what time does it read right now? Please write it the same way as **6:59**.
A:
**6:52**
